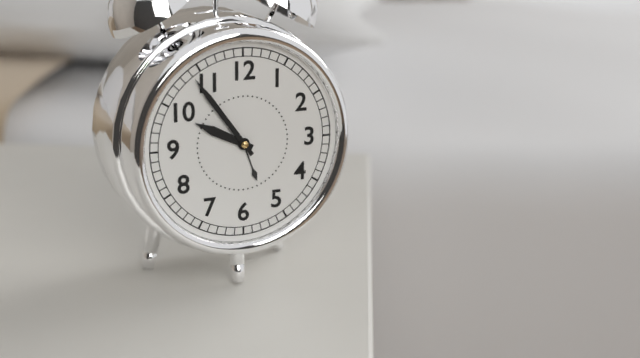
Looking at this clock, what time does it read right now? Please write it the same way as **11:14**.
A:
**9:54**
